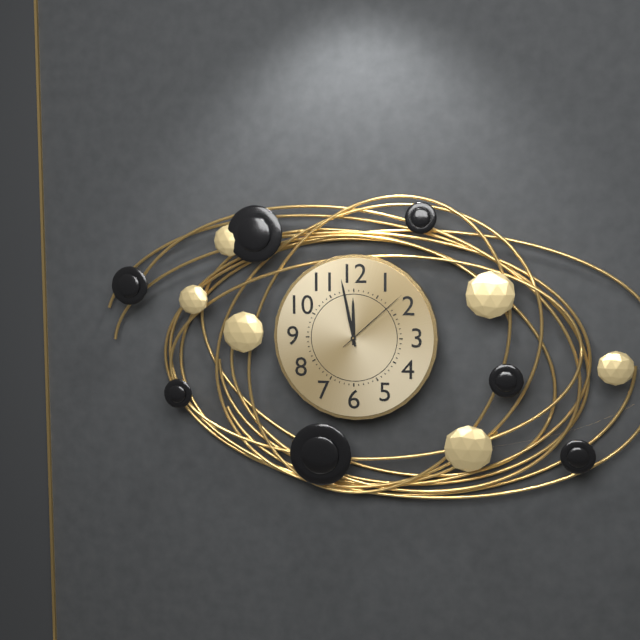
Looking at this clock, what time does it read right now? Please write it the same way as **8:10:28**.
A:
**11:58:08**
